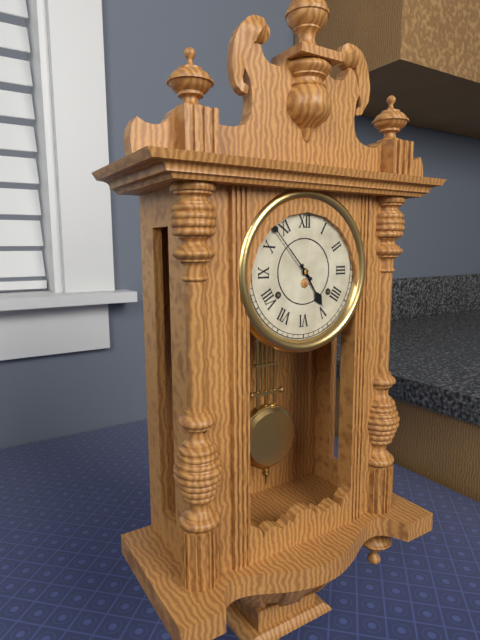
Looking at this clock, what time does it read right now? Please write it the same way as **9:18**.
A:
**4:53**
